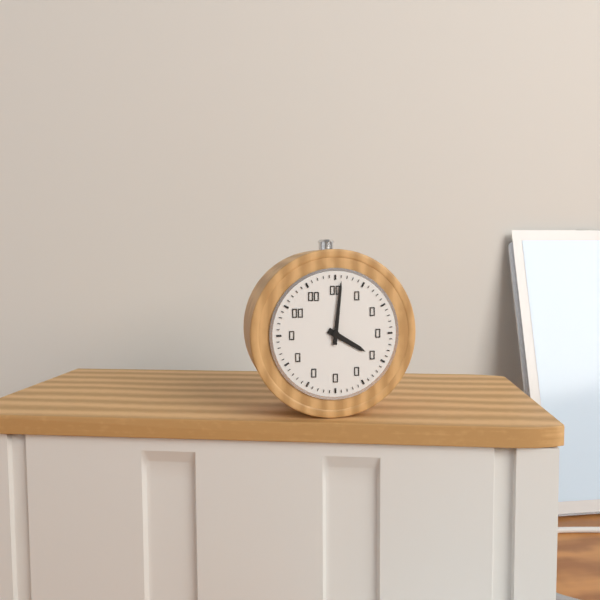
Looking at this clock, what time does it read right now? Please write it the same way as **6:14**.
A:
**4:01**
